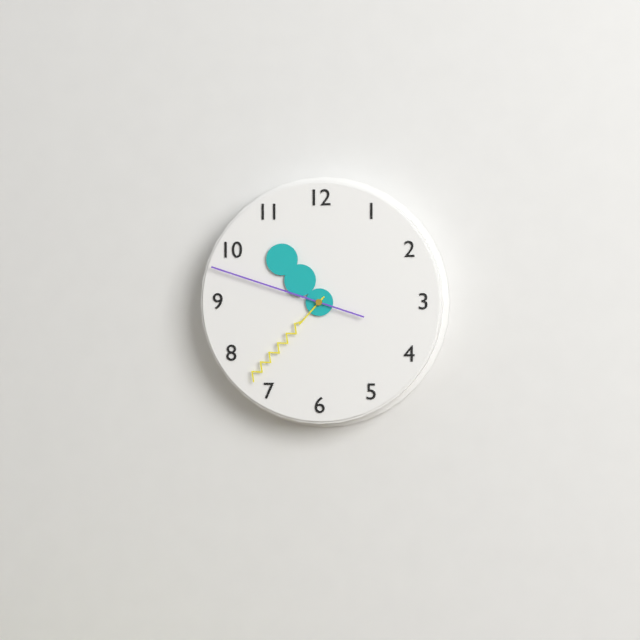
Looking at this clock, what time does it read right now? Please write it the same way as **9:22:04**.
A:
**10:37:48**
